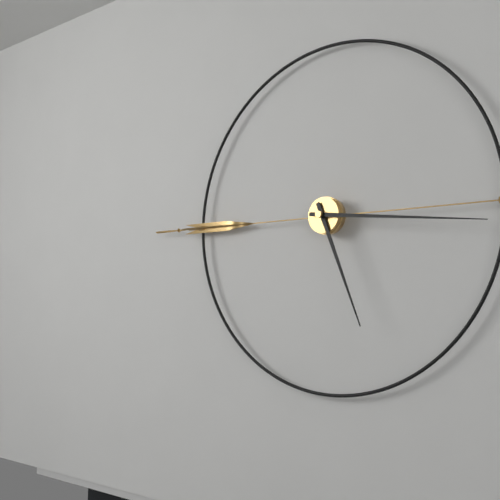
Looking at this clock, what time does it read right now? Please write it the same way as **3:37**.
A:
**5:16**
